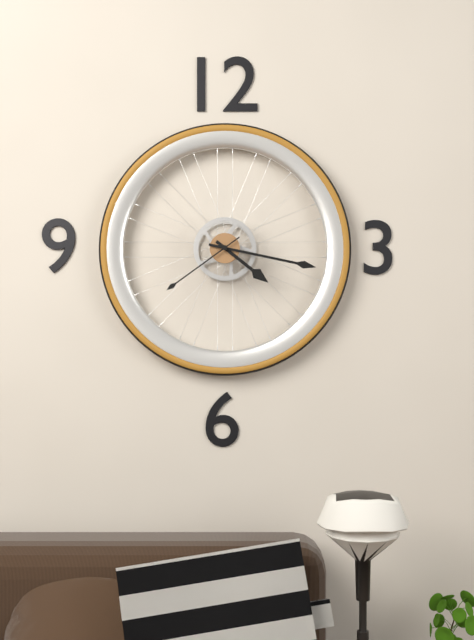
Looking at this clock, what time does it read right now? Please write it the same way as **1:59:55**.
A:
**4:17:39**
